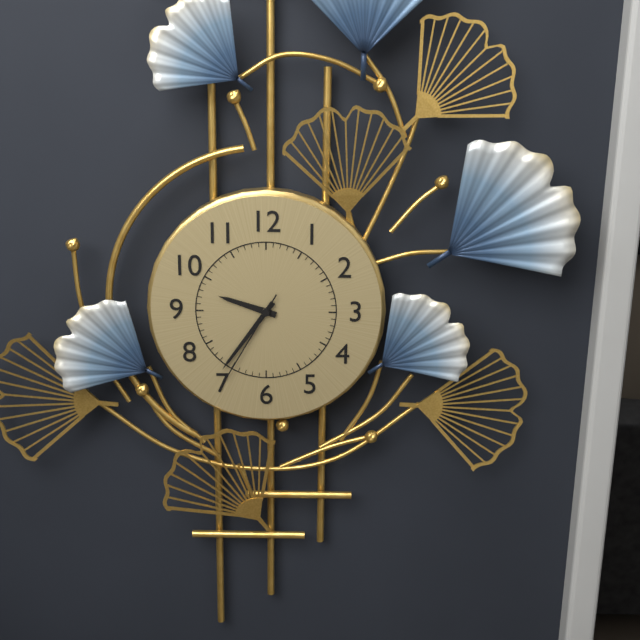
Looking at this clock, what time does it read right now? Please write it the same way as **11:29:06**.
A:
**9:36:35**
